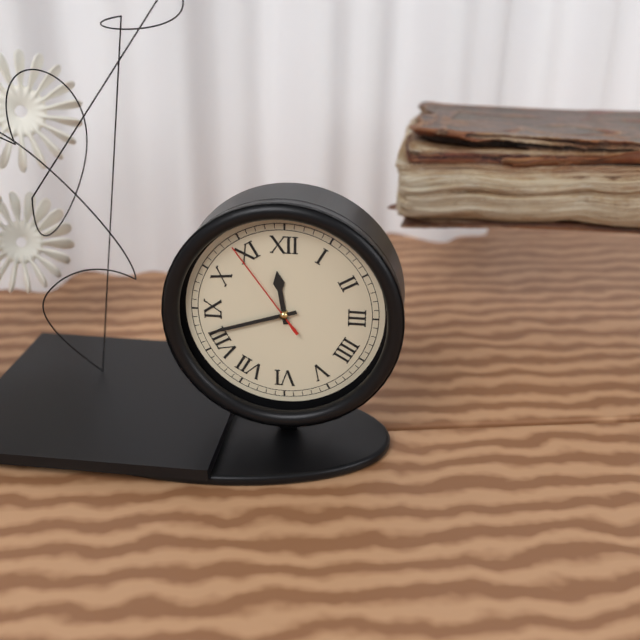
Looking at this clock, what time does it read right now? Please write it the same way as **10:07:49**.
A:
**11:42:54**
